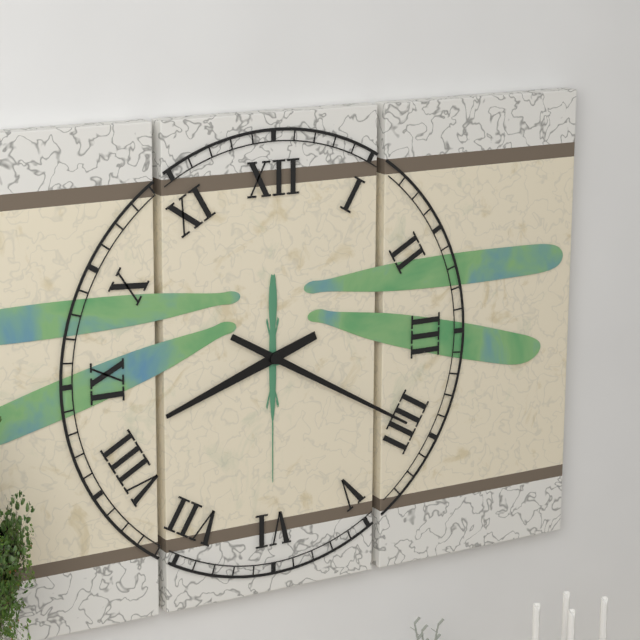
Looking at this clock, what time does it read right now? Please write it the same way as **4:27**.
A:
**8:20**
